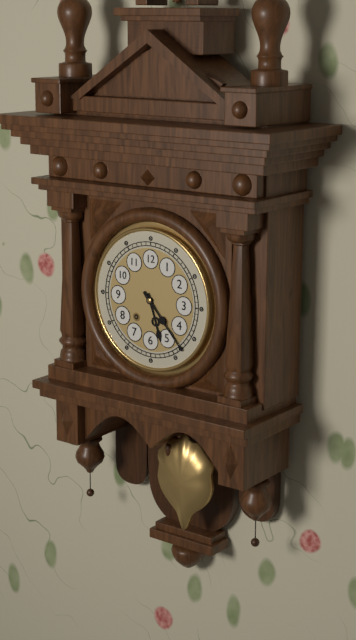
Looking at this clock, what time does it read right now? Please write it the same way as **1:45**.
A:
**5:23**
